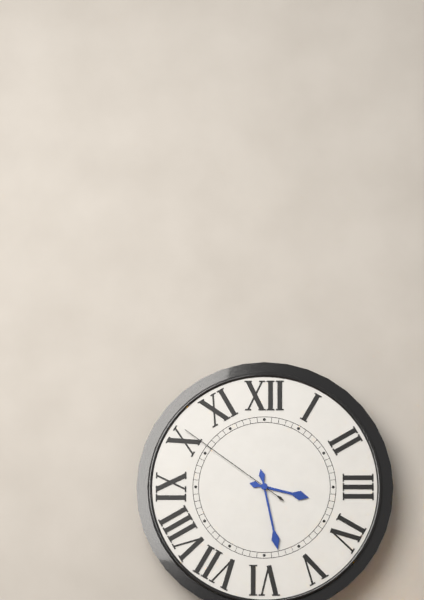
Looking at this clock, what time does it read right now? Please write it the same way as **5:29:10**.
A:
**3:28:51**
